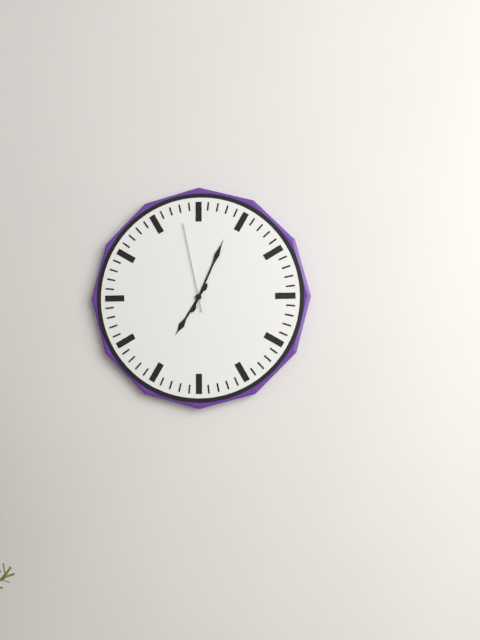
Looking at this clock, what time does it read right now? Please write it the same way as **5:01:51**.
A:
**7:04:58**
